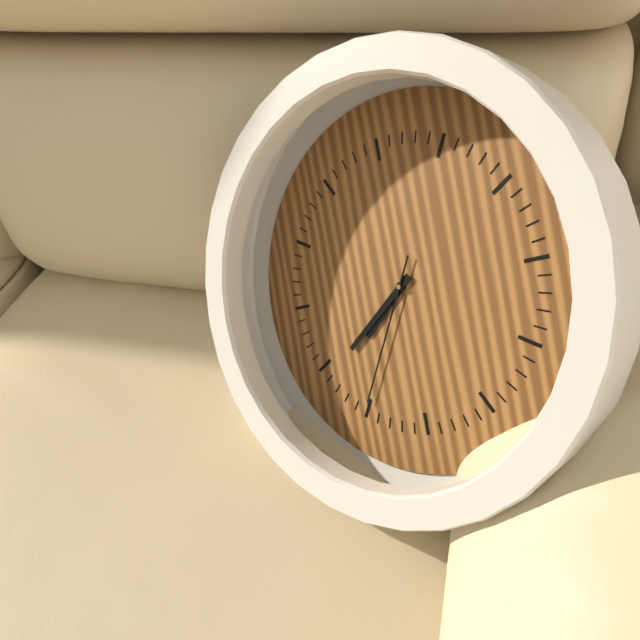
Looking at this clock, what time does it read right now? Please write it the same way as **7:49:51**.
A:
**7:39:35**
